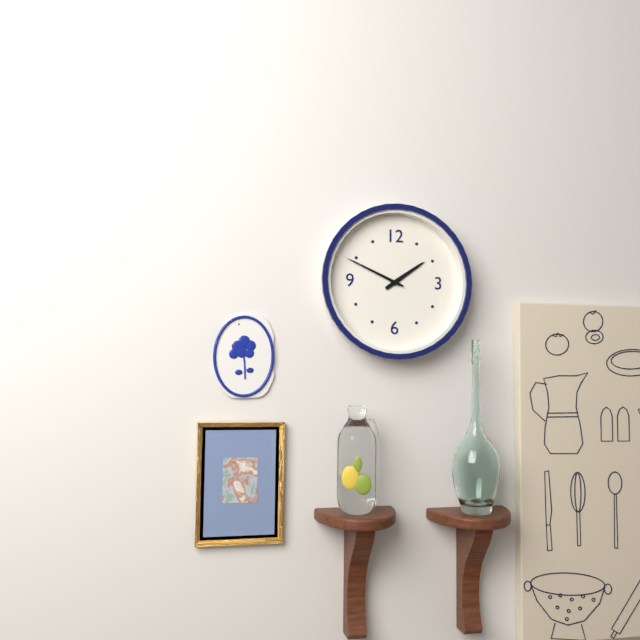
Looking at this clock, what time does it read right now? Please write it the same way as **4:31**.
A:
**1:49**
